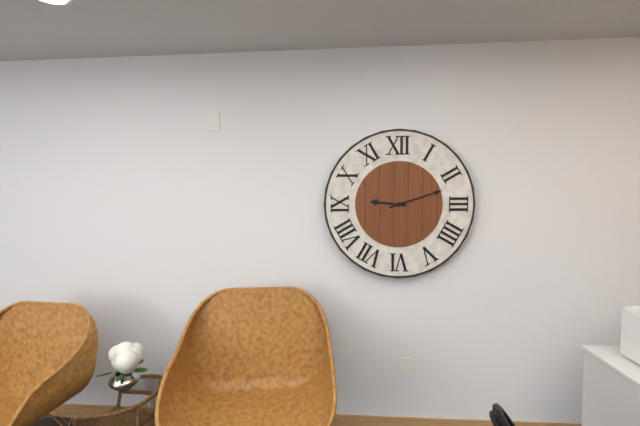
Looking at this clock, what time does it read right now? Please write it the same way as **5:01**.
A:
**9:12**
